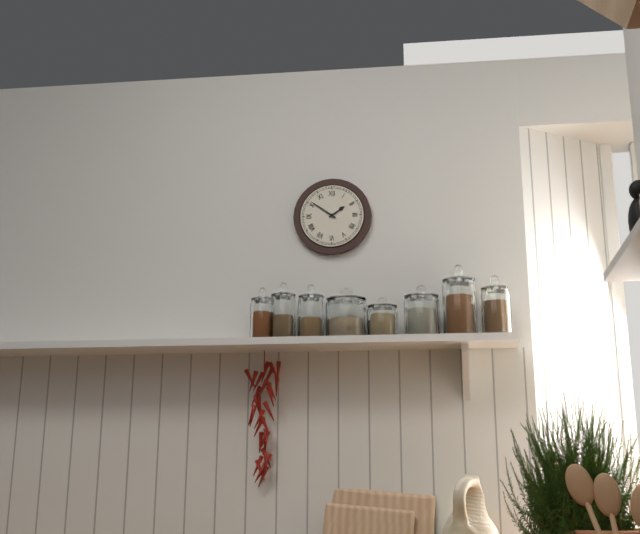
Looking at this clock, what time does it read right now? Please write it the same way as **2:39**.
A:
**1:51**
